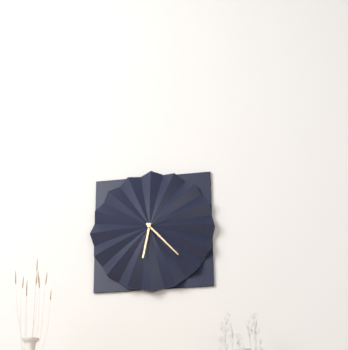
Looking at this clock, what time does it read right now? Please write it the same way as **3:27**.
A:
**6:23**
